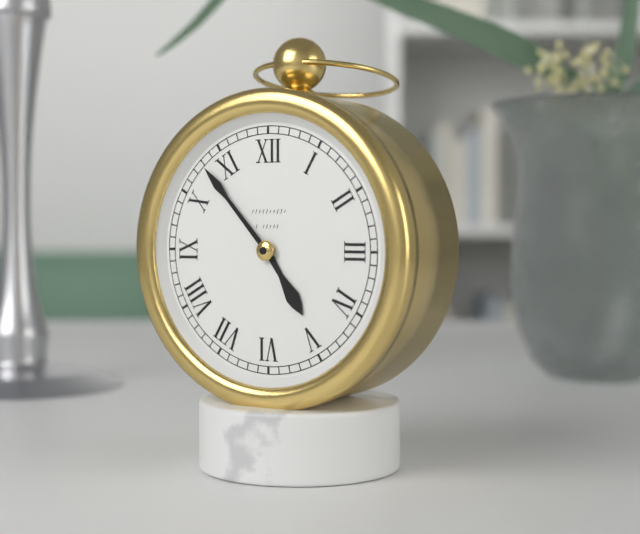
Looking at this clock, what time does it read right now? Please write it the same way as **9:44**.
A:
**4:53**
